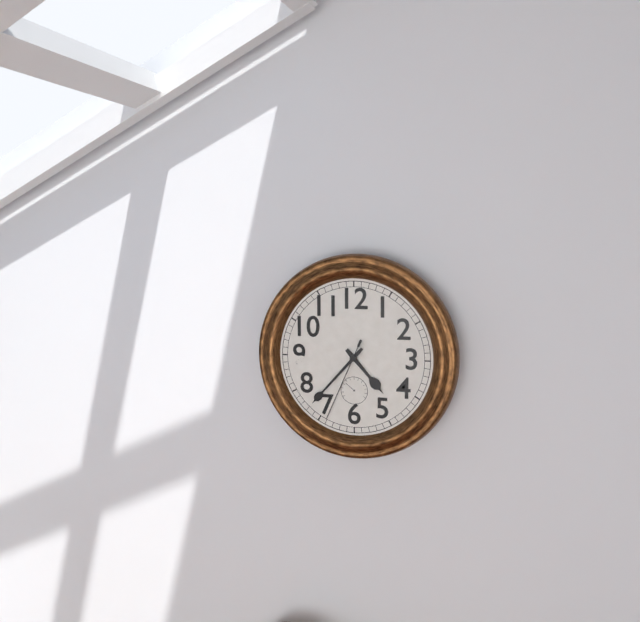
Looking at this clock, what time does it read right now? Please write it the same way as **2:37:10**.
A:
**4:37:34**
